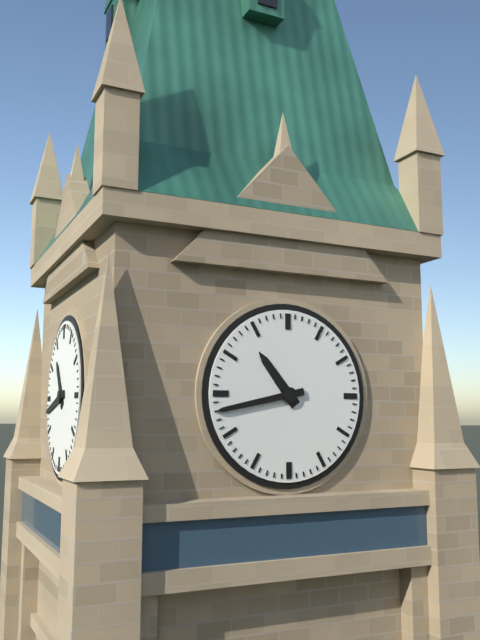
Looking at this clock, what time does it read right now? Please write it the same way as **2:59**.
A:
**10:43**
